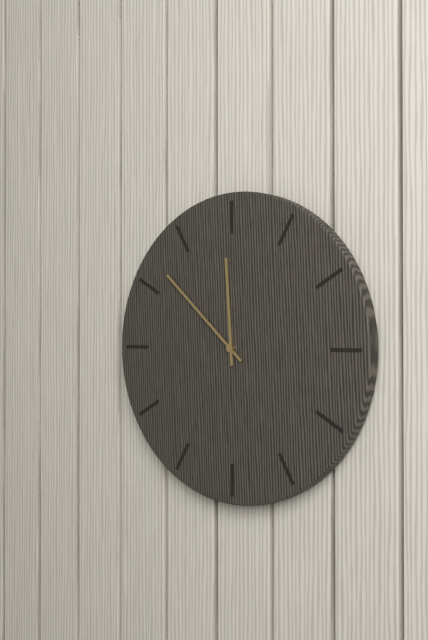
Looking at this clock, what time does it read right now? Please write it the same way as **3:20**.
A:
**11:52**
